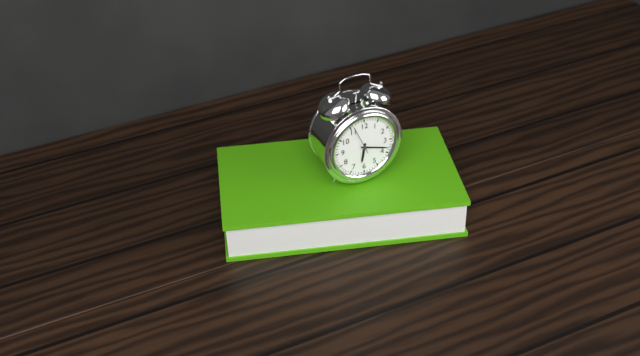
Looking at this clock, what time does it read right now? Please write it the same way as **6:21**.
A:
**6:18**
